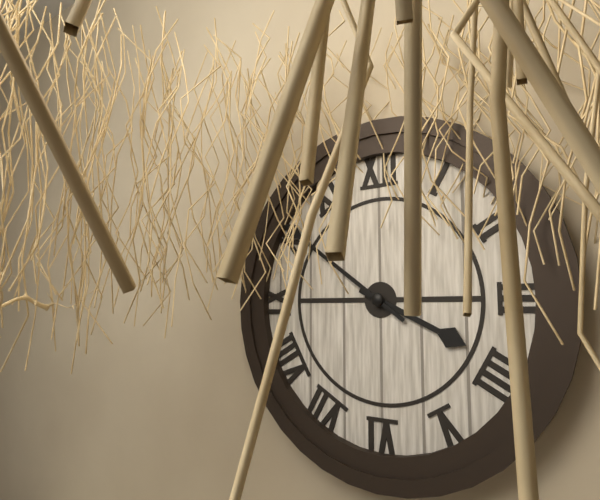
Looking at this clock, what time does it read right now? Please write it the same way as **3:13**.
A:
**3:51**
